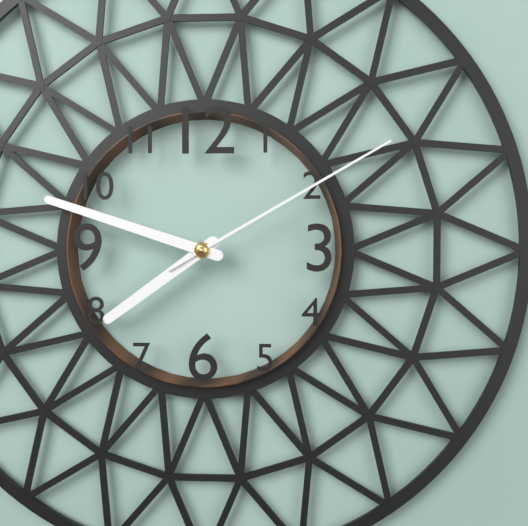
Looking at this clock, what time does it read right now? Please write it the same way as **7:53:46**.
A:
**7:48:10**
